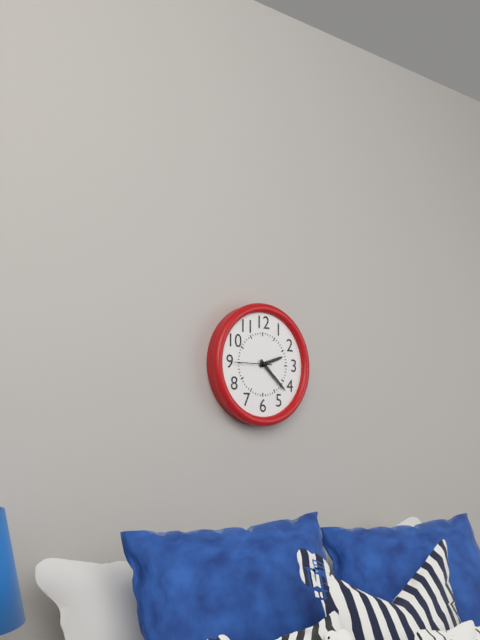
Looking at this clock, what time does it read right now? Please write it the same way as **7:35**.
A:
**2:22**
